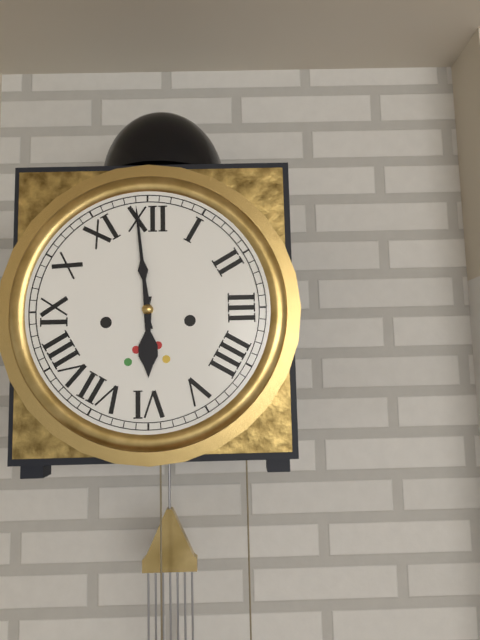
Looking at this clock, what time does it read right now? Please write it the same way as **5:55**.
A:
**5:59**
